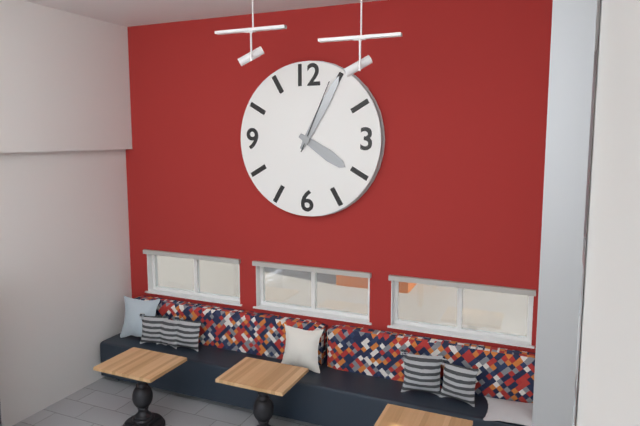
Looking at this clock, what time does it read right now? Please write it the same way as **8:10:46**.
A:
**4:05:04**
